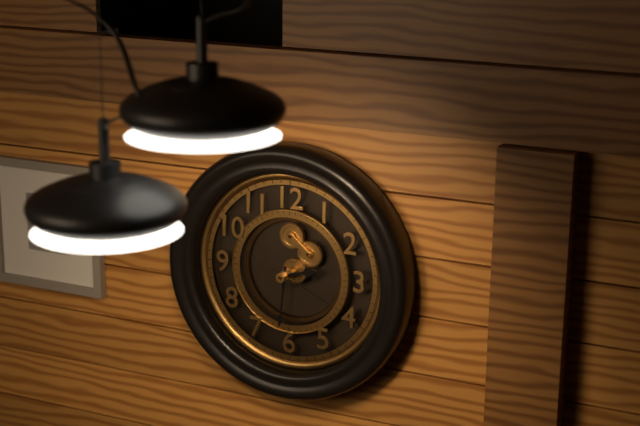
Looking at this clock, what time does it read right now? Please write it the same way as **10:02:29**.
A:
**2:31:19**
